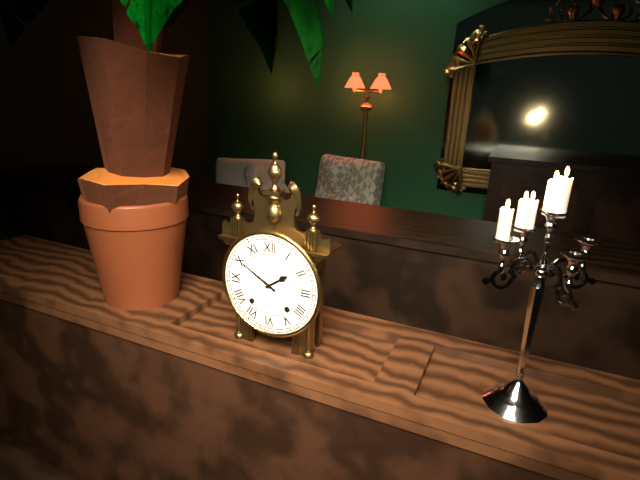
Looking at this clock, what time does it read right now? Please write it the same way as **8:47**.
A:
**1:50**
